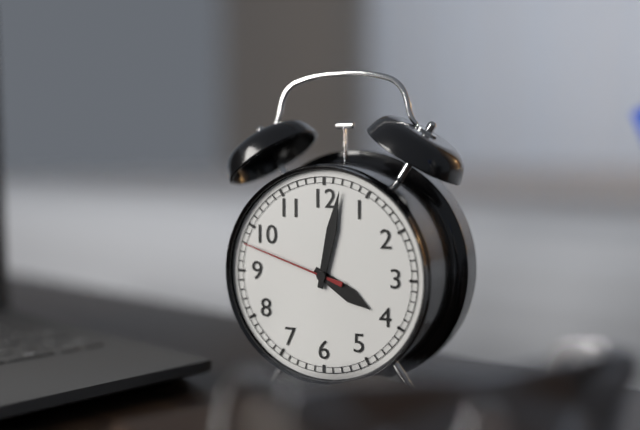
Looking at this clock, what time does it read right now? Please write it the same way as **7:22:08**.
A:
**4:02:48**
